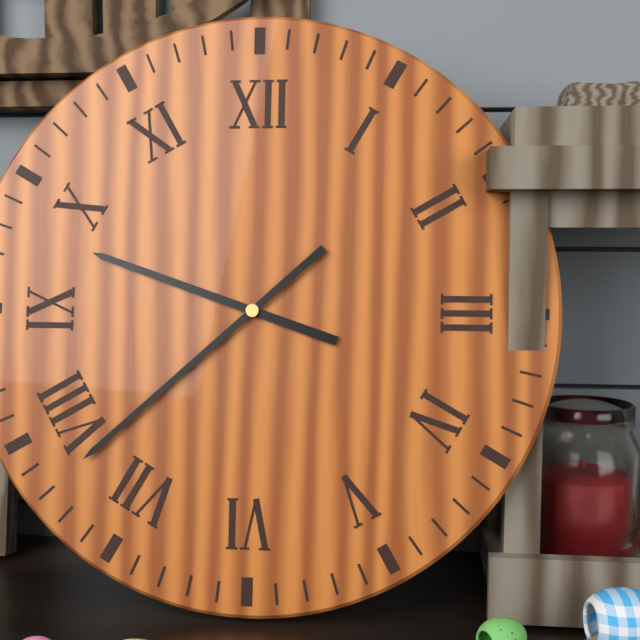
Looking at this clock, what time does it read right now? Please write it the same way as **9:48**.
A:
**9:38**
